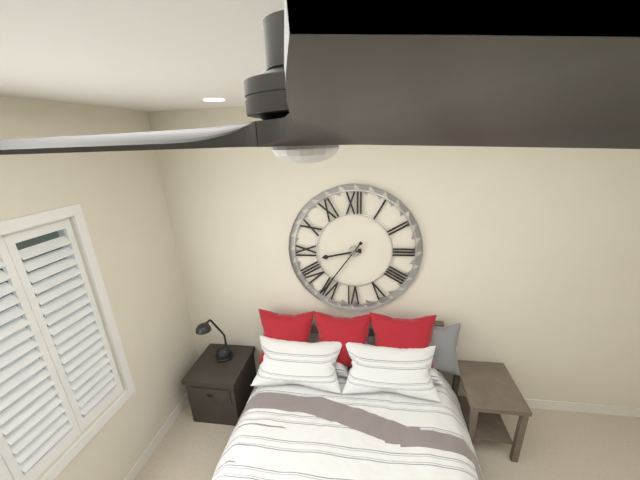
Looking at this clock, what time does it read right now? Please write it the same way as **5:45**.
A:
**8:36**
